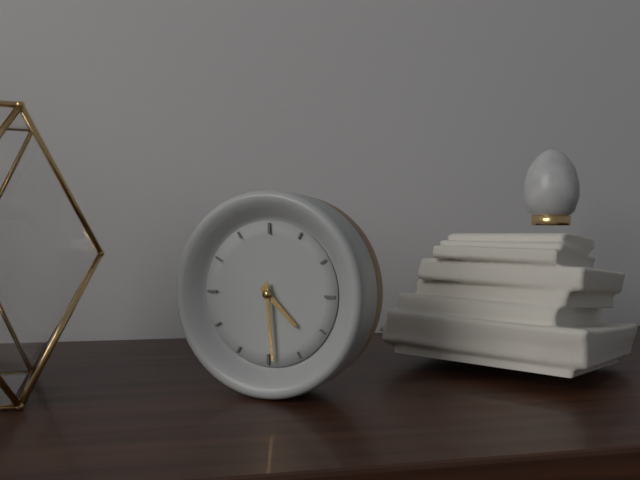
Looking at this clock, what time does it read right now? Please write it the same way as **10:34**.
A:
**4:29**
